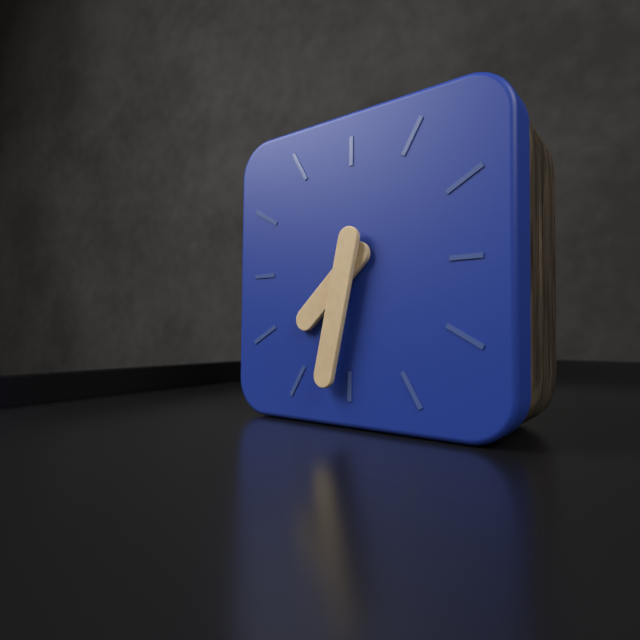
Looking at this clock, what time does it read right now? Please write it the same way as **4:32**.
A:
**7:32**
